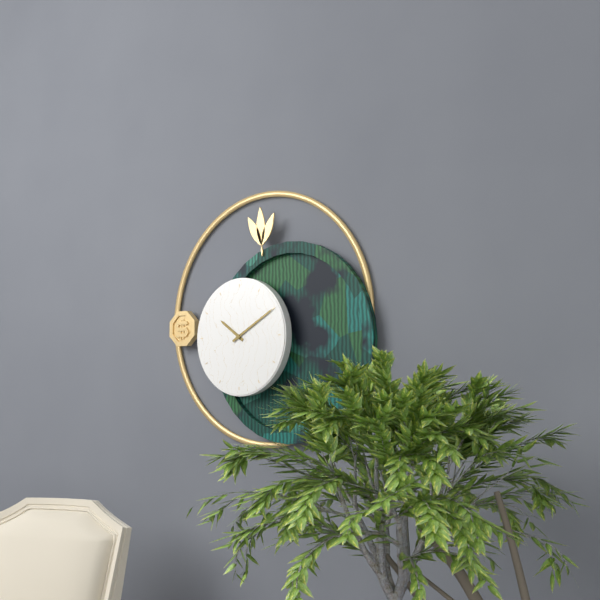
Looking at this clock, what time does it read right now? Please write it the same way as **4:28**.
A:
**10:10**
